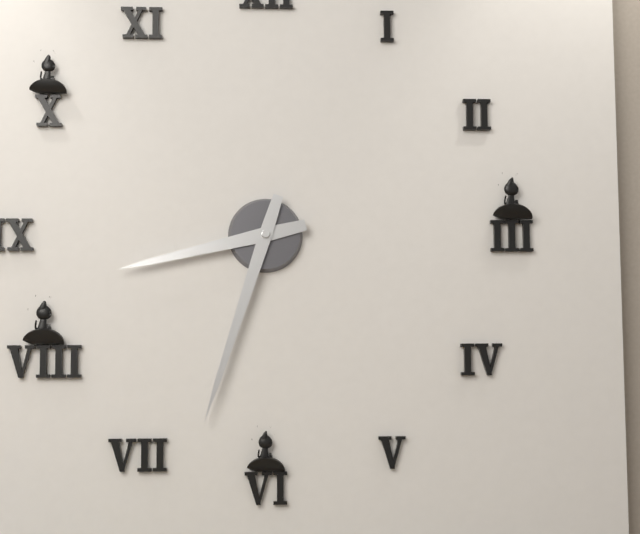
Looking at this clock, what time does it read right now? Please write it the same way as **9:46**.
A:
**8:33**
